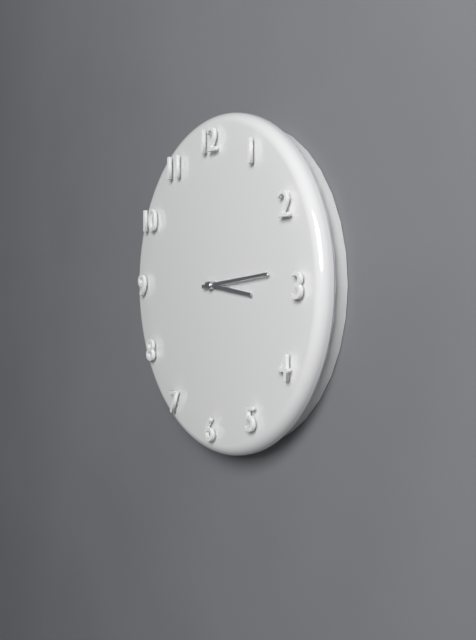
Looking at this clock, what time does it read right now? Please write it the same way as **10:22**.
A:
**3:14**
